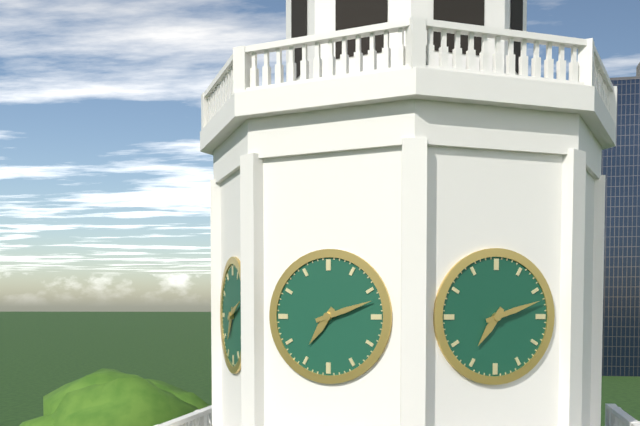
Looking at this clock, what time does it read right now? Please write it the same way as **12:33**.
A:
**7:12**
